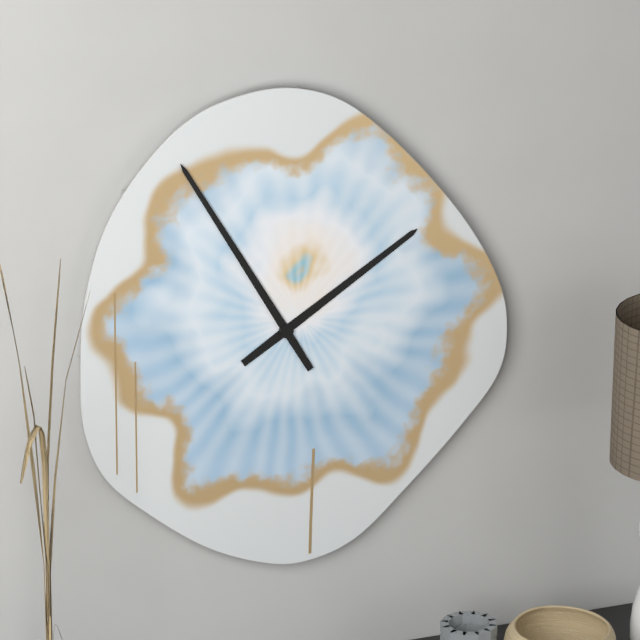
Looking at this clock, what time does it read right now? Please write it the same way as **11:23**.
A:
**1:55**
